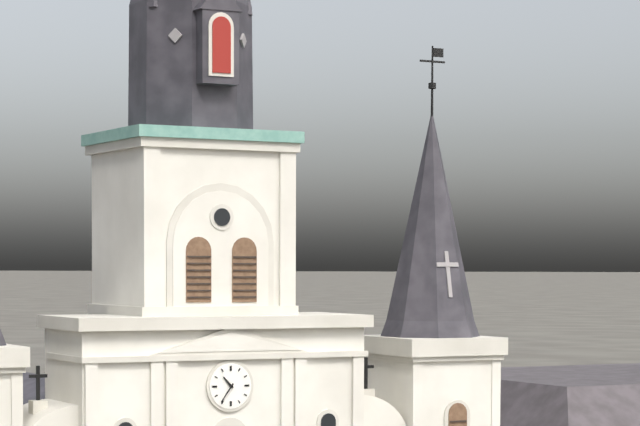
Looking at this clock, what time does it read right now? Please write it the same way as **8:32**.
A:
**10:36**
